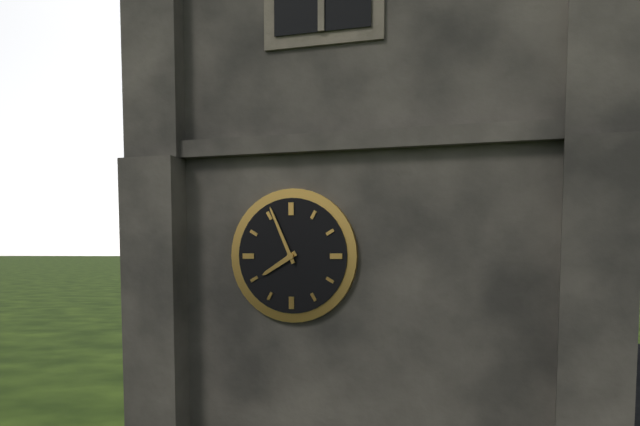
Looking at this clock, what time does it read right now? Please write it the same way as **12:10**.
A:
**7:56**
